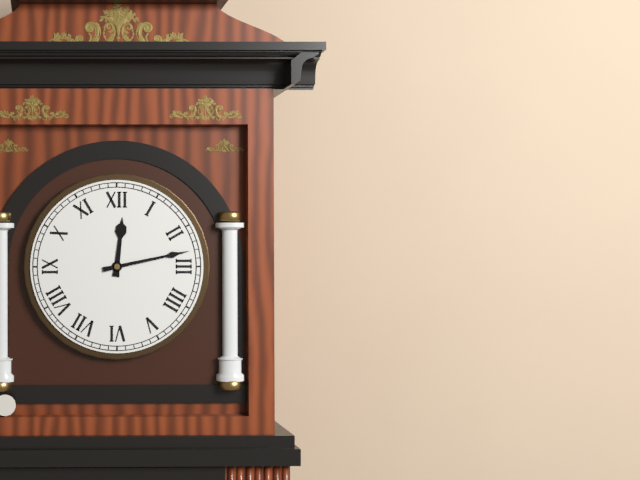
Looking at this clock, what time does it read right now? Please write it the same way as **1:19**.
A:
**12:13**
